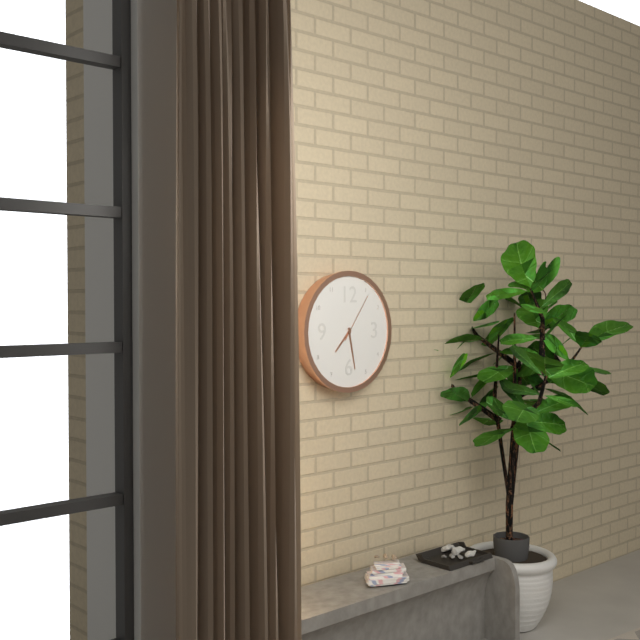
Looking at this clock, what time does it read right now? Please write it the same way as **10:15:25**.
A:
**7:28:06**
